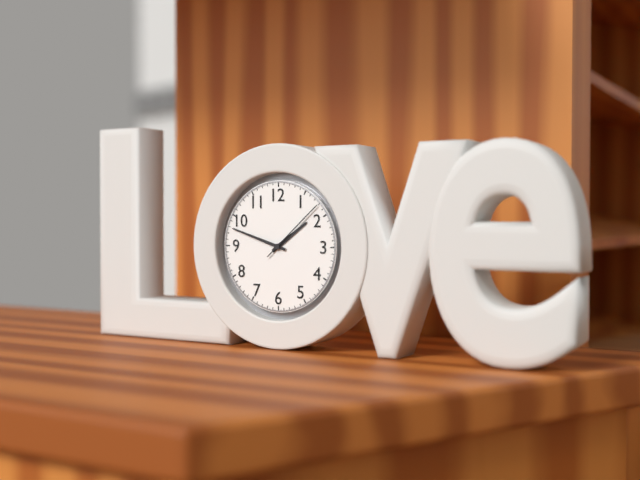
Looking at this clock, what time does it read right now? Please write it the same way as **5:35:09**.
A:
**1:48:08**
